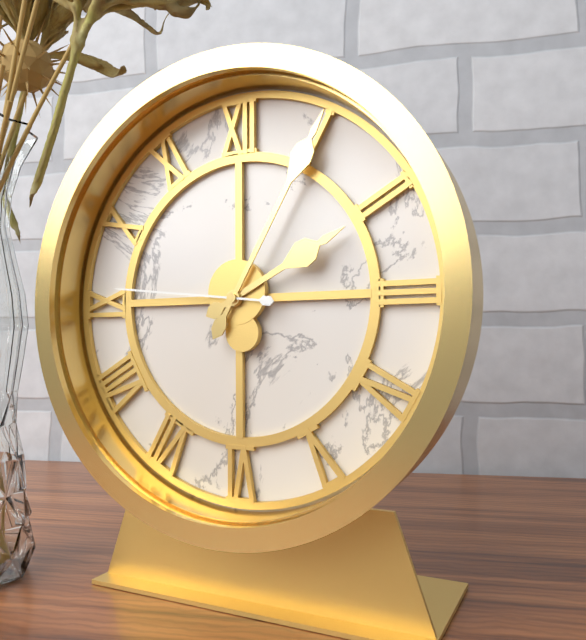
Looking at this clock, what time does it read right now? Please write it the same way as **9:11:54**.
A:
**2:05:46**
